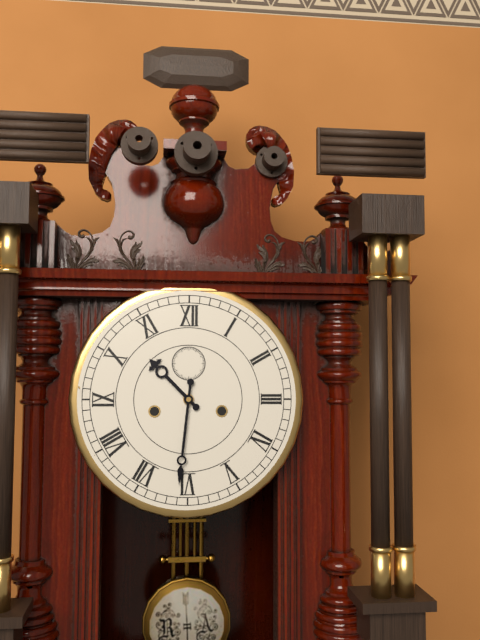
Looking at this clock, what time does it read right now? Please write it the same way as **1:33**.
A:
**10:31**
